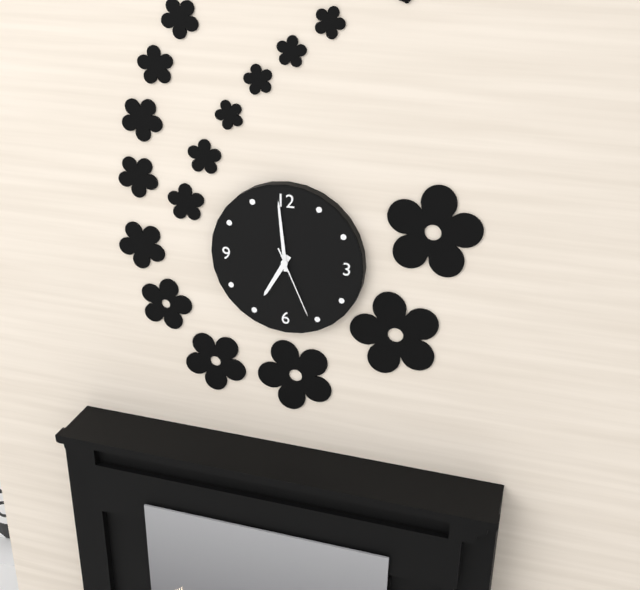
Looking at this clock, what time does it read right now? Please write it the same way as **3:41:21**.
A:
**6:59:26**
